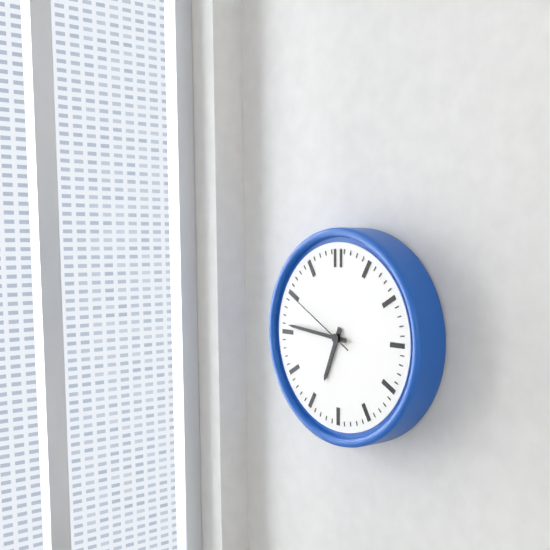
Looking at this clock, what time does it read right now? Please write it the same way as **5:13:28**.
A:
**6:46:50**
